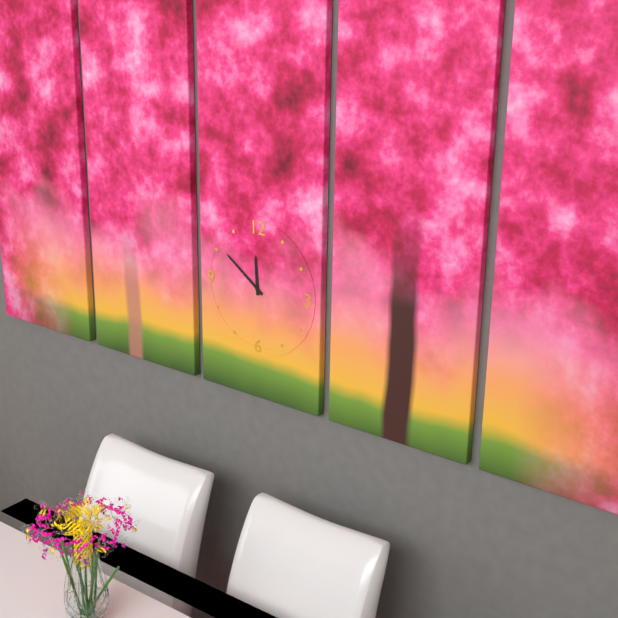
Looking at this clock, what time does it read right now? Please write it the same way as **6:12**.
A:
**11:51**
